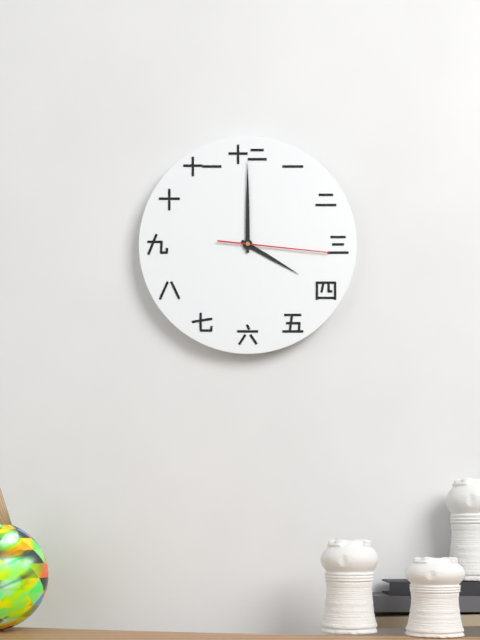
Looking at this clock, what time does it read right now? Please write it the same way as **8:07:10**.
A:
**4:00:16**
